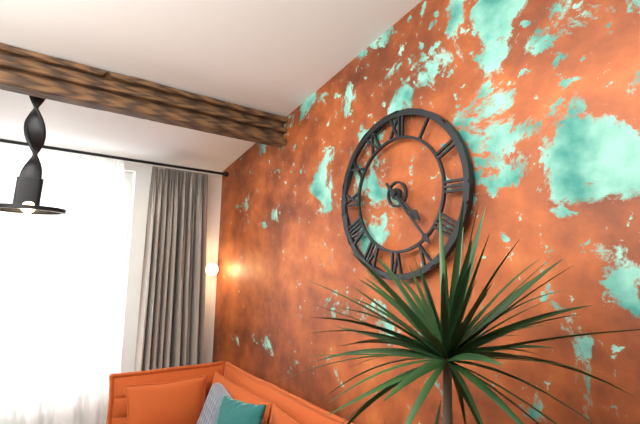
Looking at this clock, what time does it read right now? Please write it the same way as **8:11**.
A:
**4:23**
